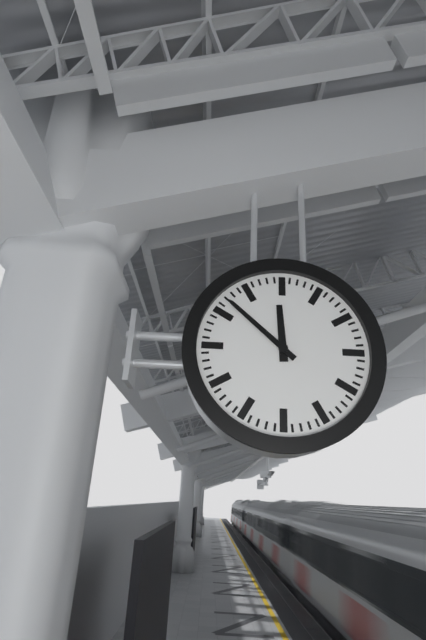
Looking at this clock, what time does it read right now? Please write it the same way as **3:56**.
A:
**11:52**
